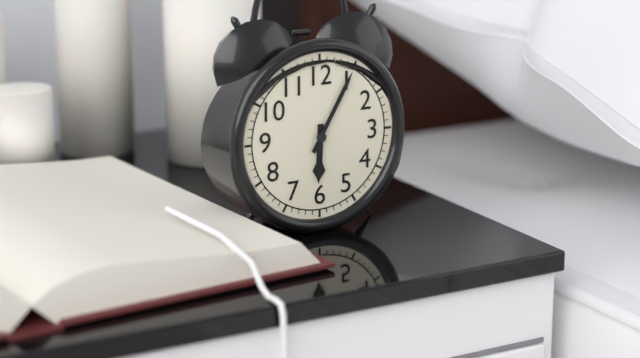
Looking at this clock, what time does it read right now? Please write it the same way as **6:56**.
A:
**6:05**
